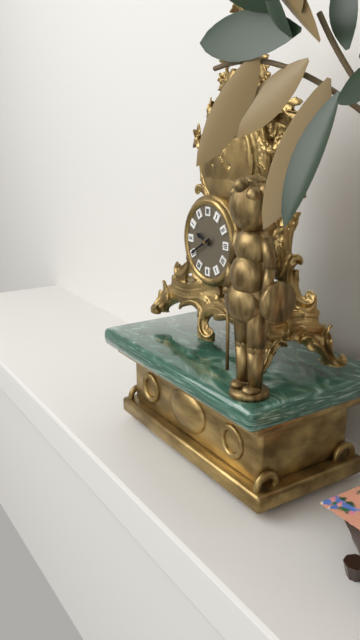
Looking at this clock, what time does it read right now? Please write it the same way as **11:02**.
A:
**9:40**
